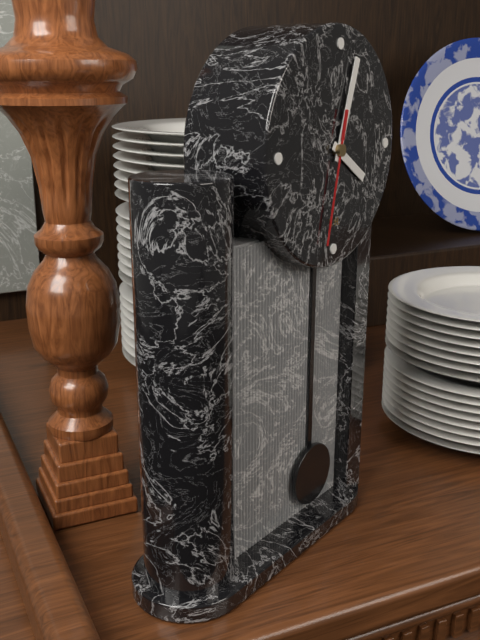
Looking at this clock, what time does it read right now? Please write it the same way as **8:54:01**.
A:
**4:03:32**
